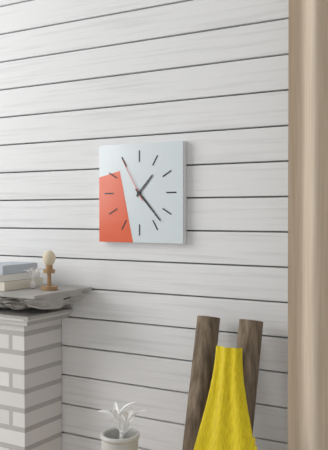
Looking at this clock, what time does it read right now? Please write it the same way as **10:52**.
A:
**1:23**
